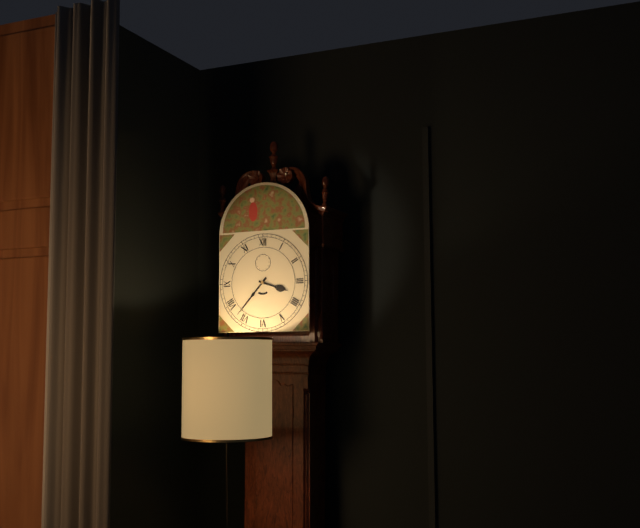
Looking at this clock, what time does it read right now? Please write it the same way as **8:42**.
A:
**3:37**
